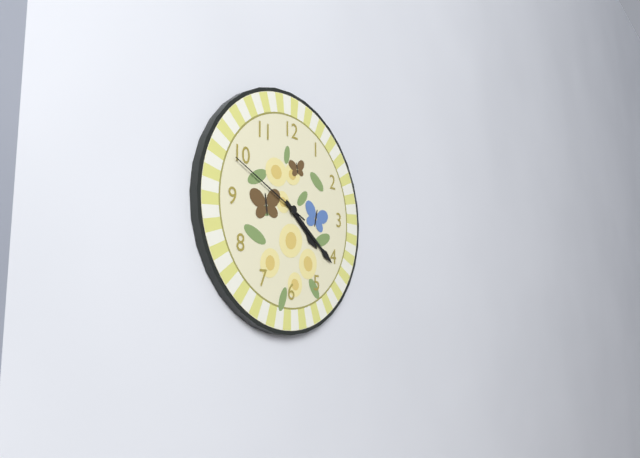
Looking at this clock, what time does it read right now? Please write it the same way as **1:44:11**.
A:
**4:21:49**
